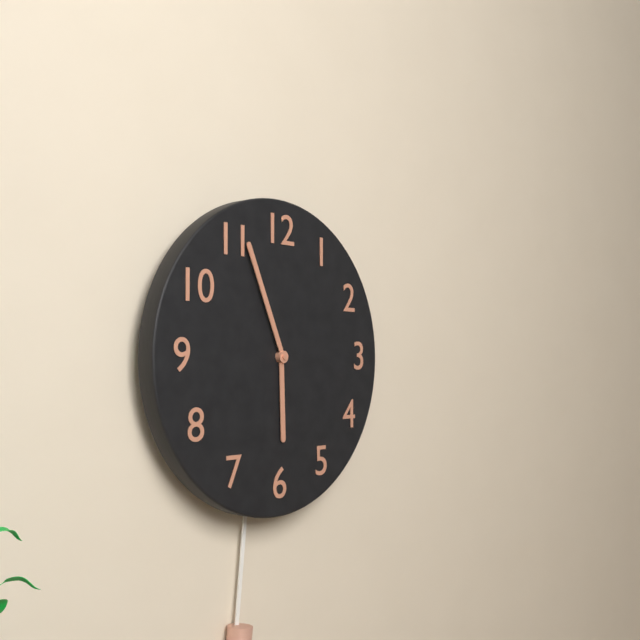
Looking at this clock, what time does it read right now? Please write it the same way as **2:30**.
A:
**5:56**
